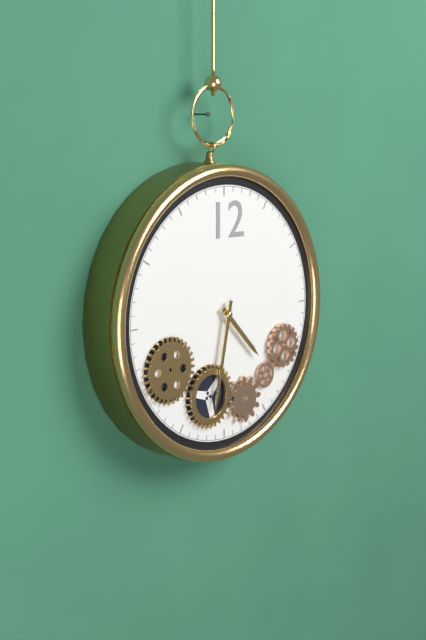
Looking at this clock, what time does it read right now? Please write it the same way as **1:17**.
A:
**4:32**
